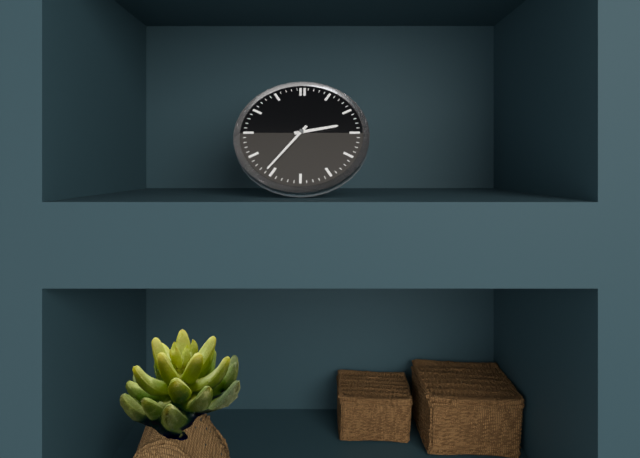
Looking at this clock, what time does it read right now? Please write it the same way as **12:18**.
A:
**2:36**
